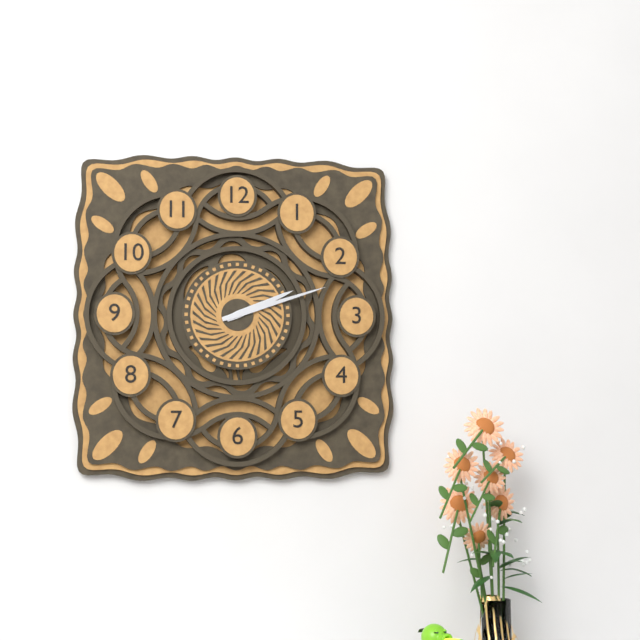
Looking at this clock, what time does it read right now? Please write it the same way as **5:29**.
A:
**2:12**
